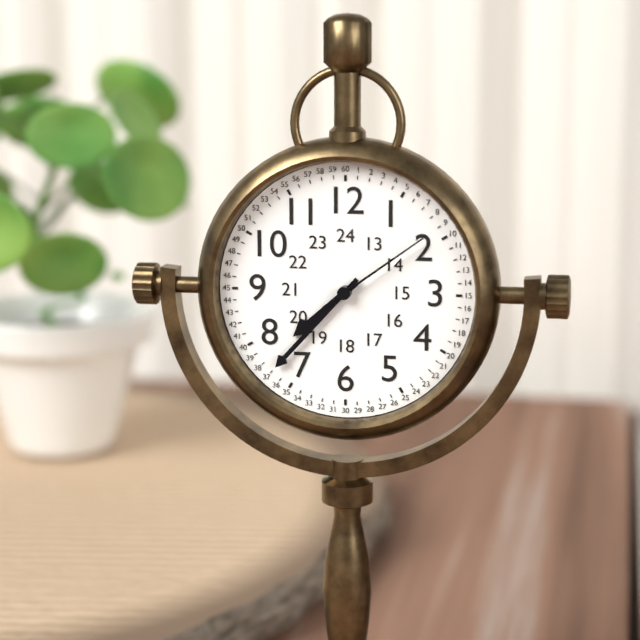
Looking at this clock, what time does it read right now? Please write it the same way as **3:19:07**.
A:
**7:37:09**
